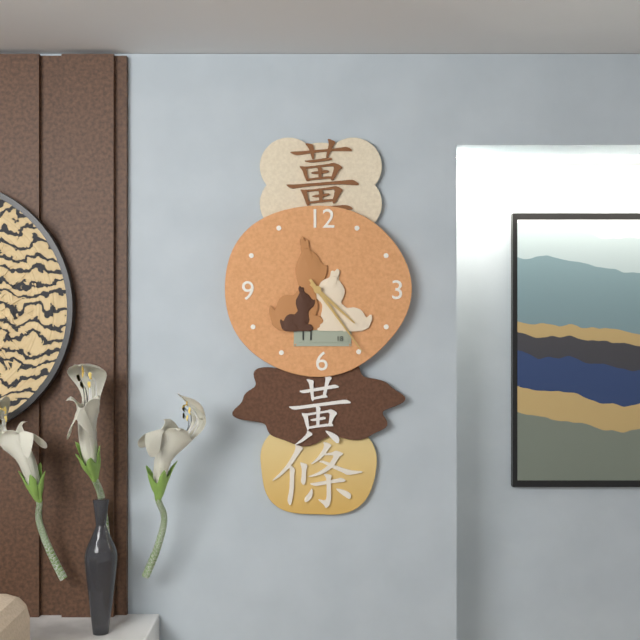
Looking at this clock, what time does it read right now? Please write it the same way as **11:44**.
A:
**4:24**
